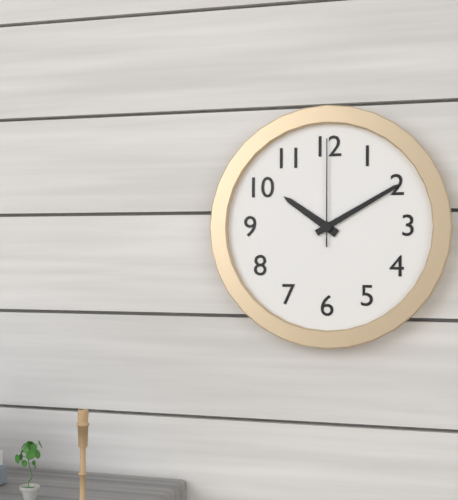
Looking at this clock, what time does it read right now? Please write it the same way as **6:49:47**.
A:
**10:10:00**
